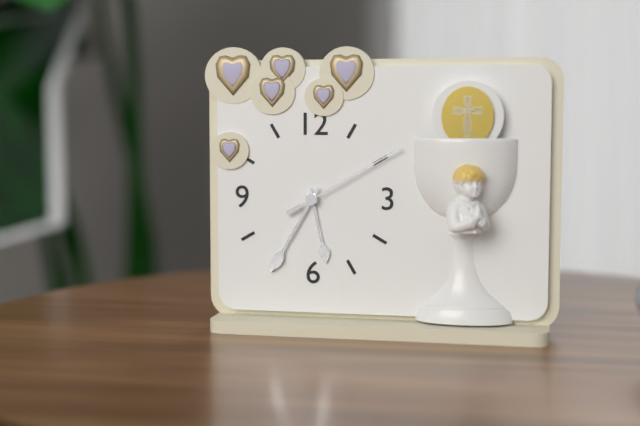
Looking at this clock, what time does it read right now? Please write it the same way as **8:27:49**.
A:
**5:35:10**
